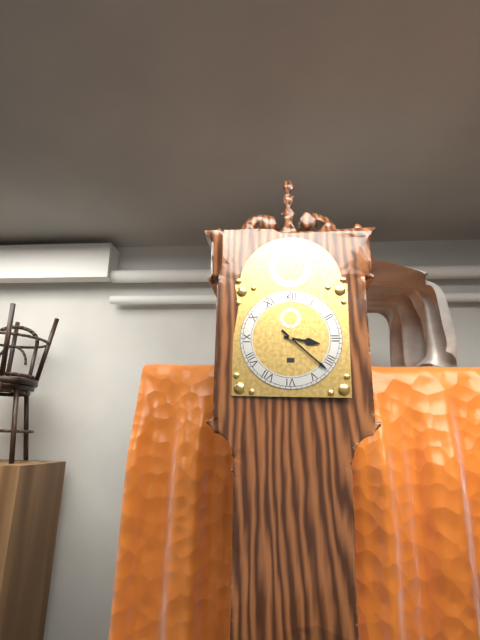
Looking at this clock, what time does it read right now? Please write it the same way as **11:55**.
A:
**3:22**
